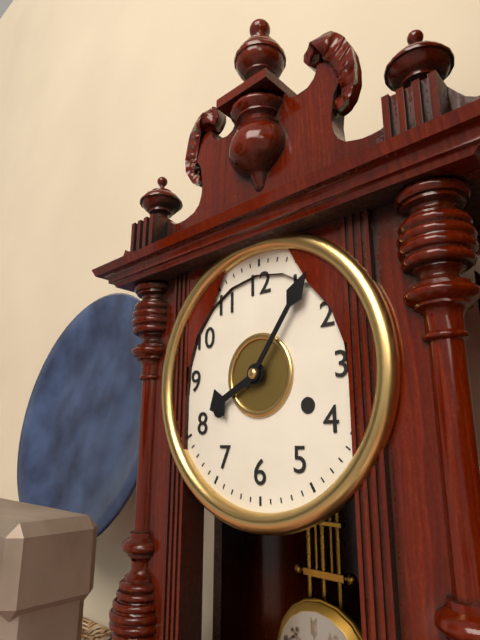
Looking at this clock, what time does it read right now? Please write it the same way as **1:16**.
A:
**8:06**
